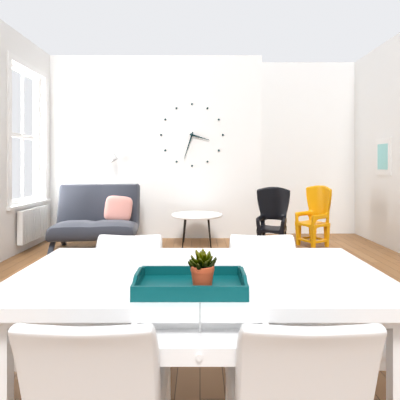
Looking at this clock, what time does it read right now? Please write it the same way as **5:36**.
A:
**3:33**
